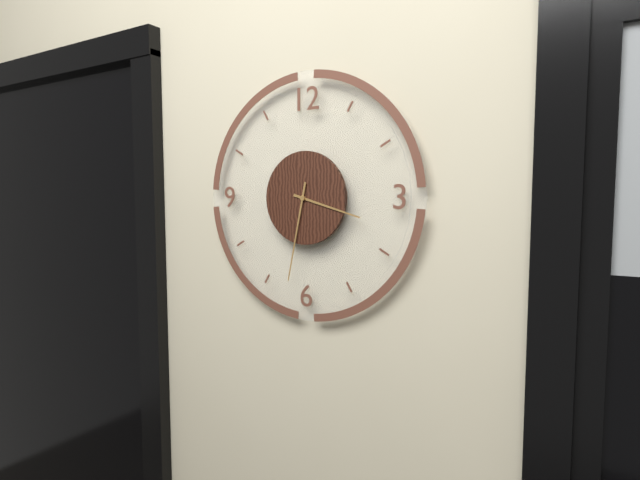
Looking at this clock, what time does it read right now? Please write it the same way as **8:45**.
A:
**3:32**
